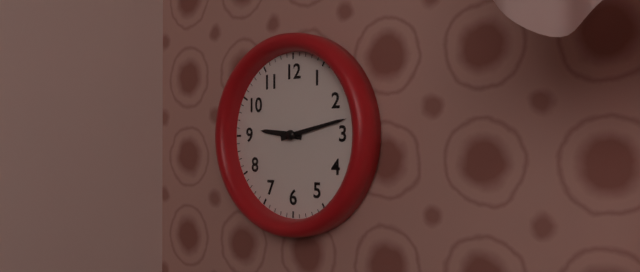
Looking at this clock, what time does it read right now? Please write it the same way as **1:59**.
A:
**9:13**
